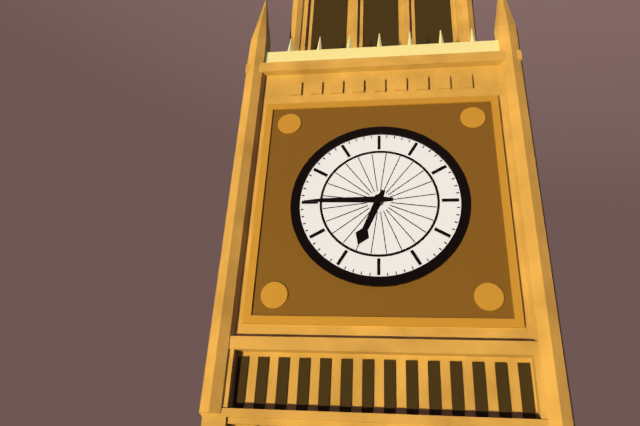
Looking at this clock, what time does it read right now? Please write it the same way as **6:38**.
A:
**6:45**
